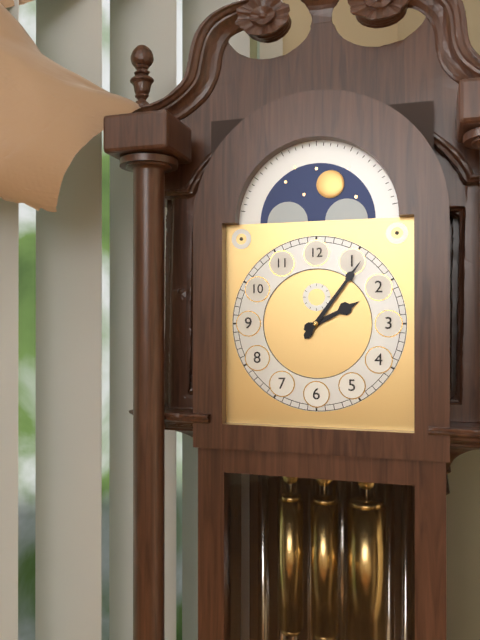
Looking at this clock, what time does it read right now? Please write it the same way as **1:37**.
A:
**2:06**
